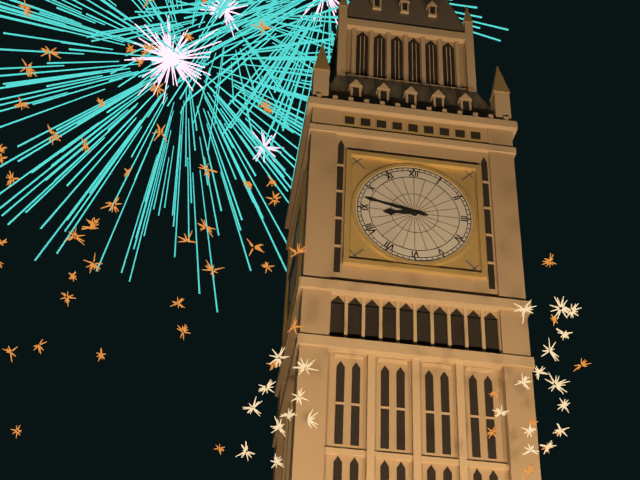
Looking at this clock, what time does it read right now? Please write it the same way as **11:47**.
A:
**8:47**
